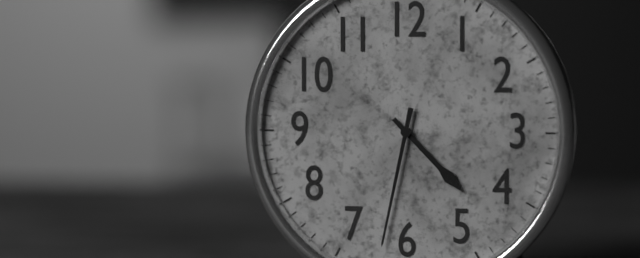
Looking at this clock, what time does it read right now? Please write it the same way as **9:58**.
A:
**4:32**
